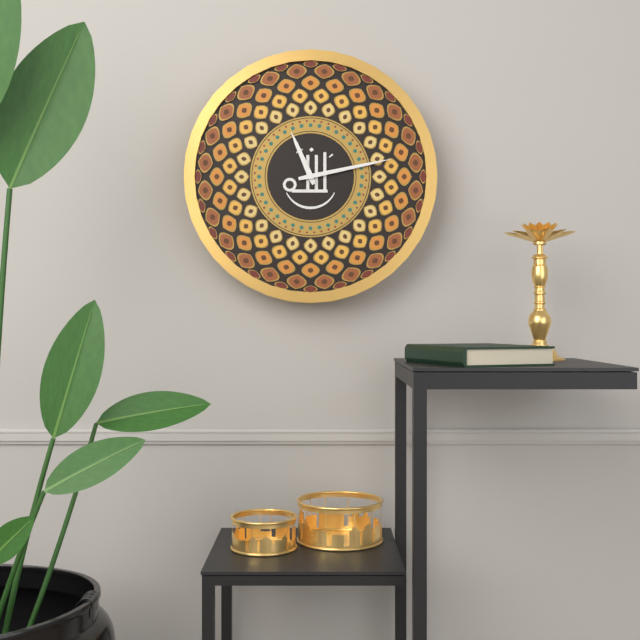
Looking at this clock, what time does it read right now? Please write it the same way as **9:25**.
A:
**11:13**
